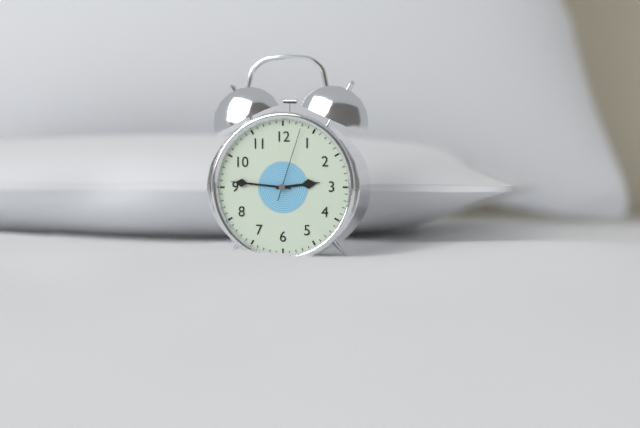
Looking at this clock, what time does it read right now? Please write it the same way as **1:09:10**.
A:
**2:46:03**
